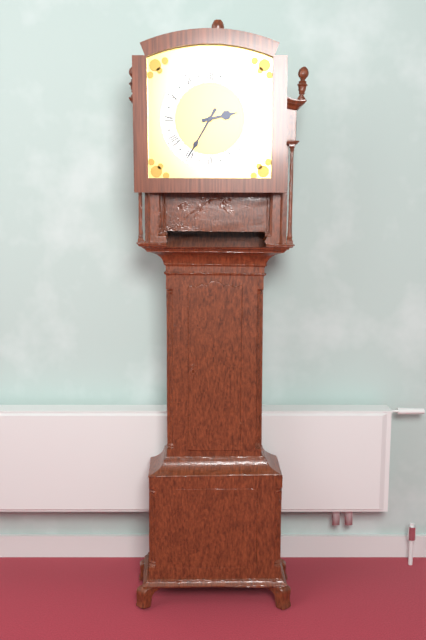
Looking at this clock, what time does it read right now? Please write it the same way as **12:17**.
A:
**2:35**
